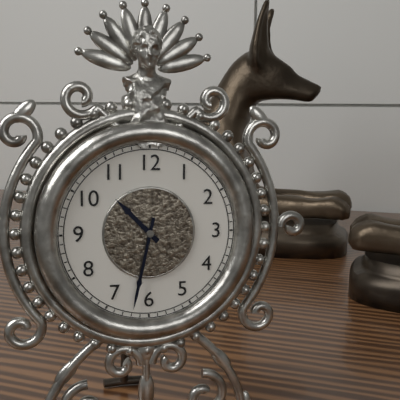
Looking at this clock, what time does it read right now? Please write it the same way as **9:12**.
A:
**10:32**
